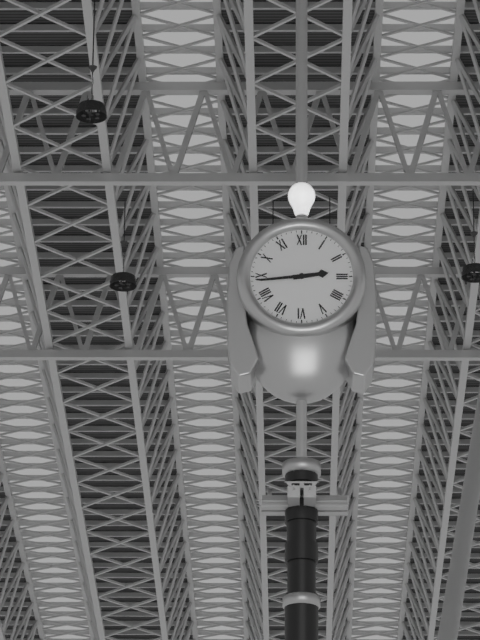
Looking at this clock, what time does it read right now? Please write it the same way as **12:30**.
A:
**2:44**
